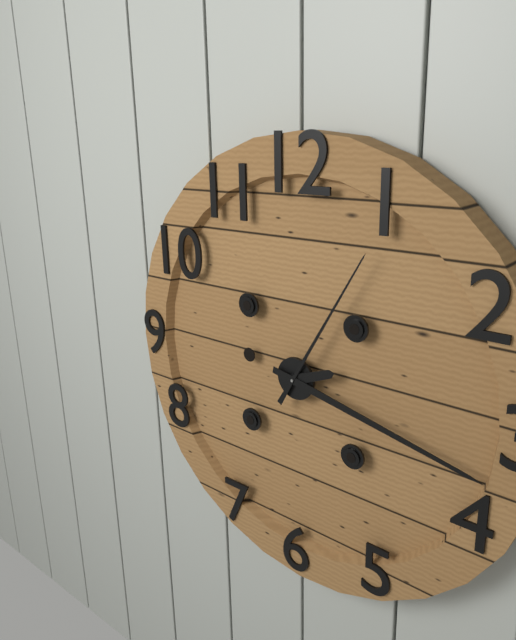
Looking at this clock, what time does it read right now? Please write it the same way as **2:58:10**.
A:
**2:17:05**
